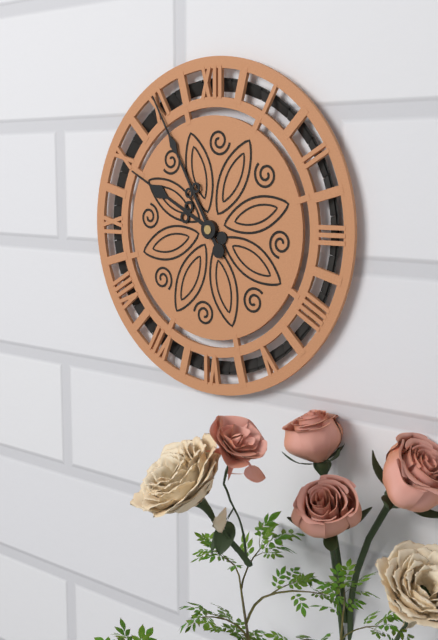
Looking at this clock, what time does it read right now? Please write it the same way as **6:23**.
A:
**9:55**
